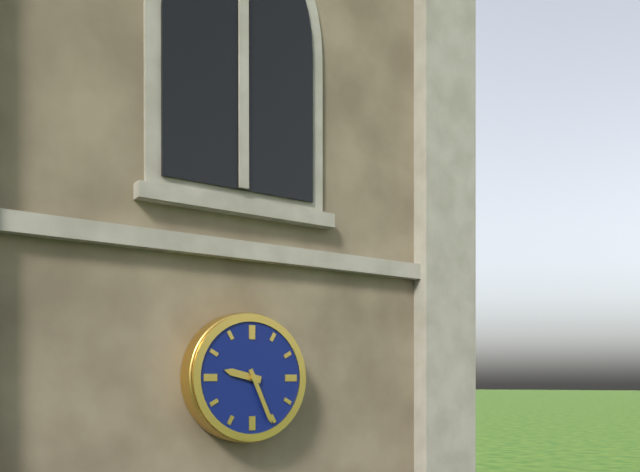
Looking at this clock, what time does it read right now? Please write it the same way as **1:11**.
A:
**9:26**
